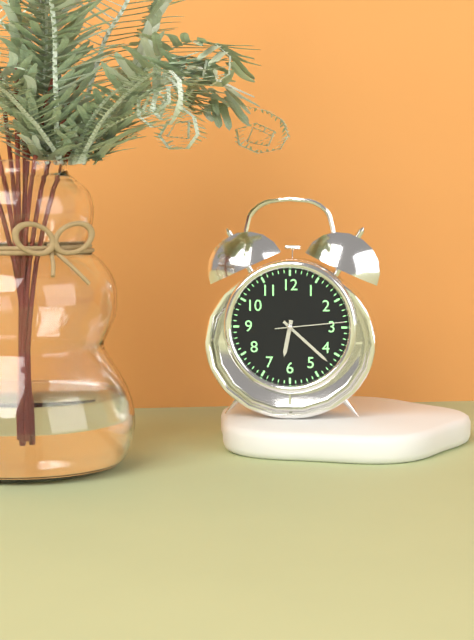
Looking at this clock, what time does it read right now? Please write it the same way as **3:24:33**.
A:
**6:22:14**
